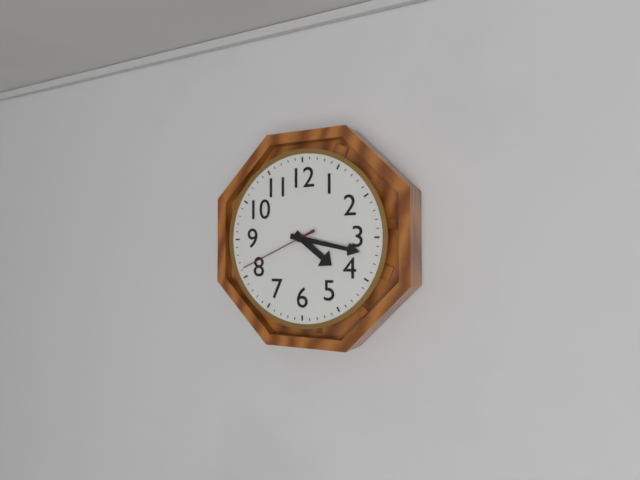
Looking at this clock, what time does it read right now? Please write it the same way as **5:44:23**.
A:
**4:17:41**
